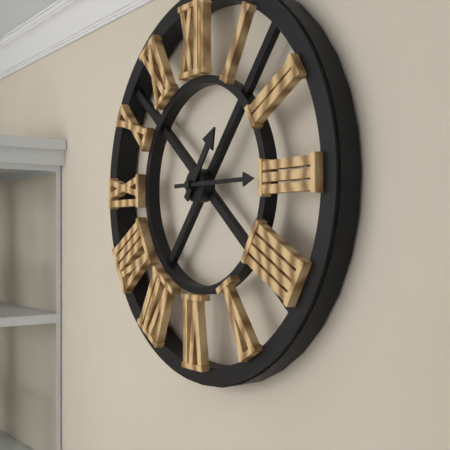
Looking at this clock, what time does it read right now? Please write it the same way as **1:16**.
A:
**1:15**
